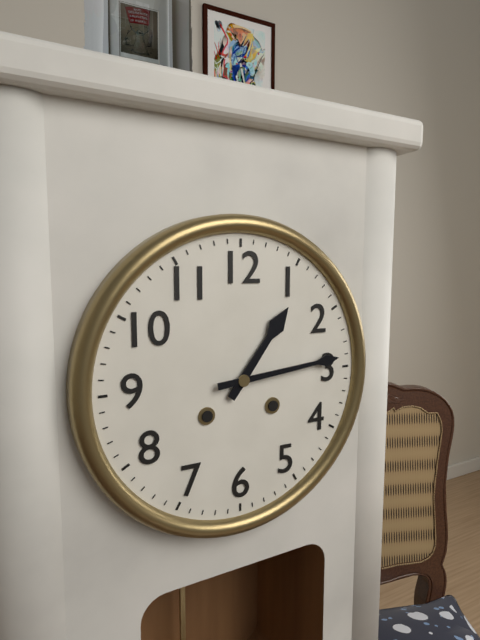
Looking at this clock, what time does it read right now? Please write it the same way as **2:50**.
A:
**1:14**
